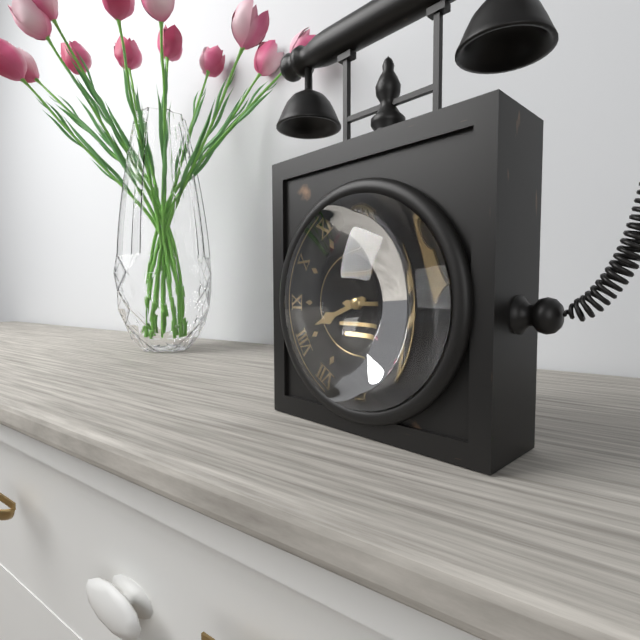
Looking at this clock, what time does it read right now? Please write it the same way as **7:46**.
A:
**8:15**
